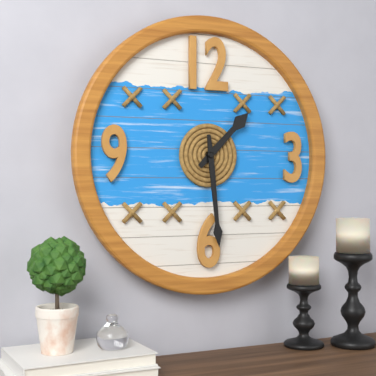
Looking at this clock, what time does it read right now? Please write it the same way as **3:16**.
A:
**1:29**
